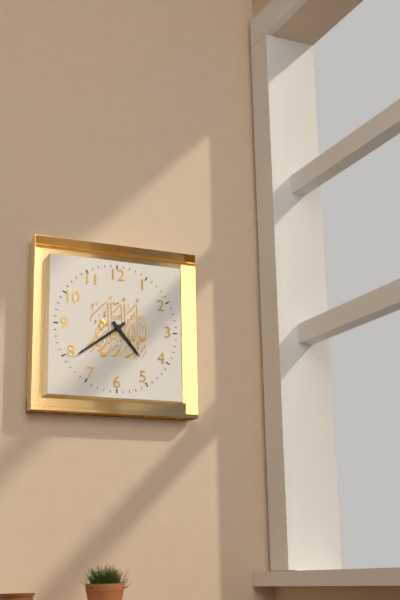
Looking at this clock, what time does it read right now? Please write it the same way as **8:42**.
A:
**4:39**
